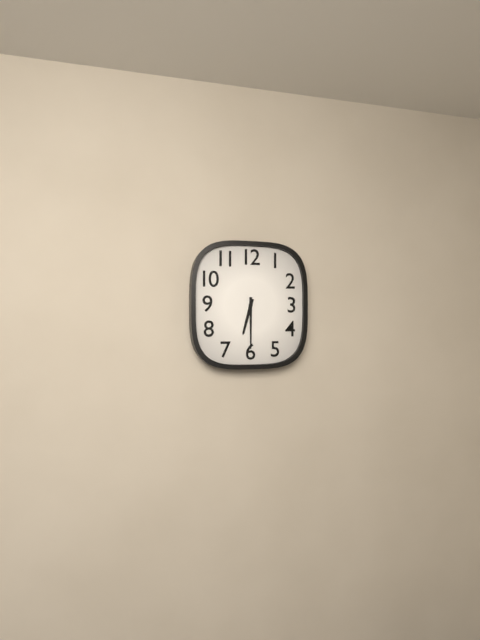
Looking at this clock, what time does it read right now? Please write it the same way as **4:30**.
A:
**6:30**
